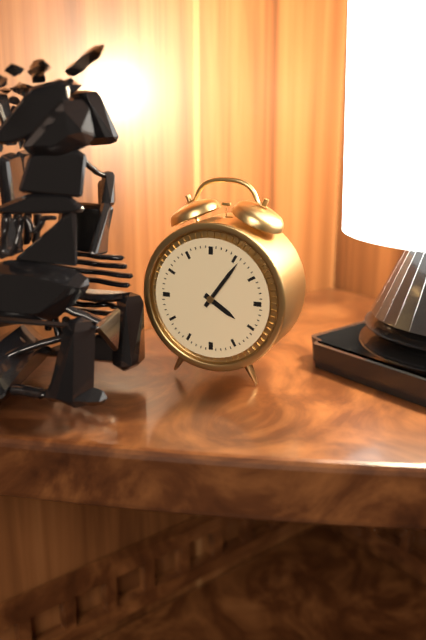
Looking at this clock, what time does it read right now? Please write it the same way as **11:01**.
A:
**4:06**
